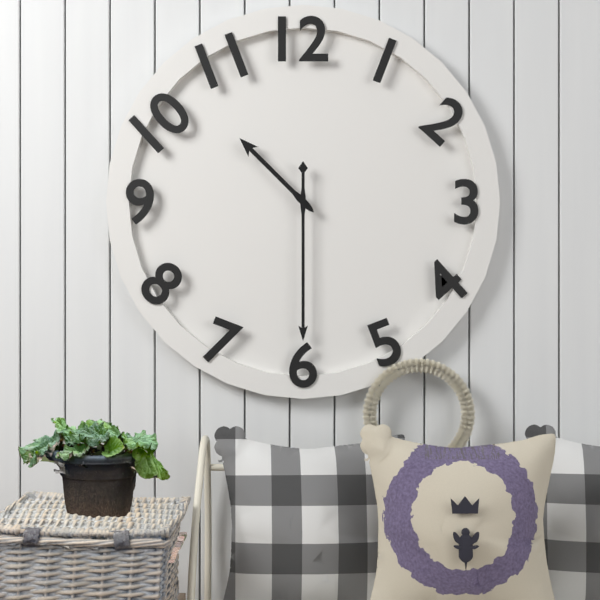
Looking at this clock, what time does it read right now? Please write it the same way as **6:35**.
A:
**10:30**
